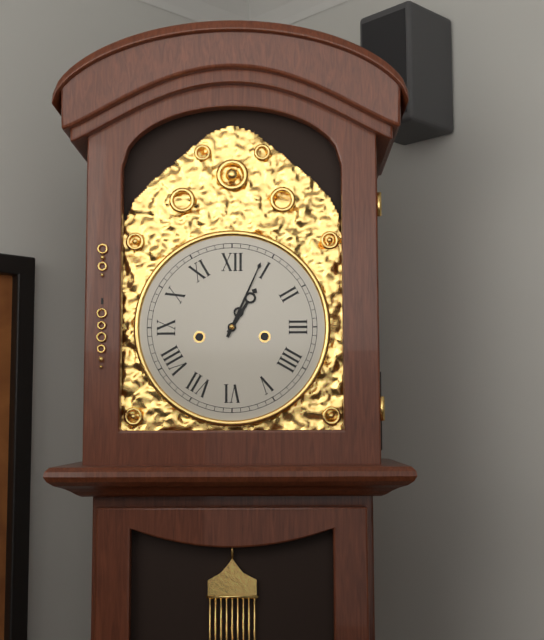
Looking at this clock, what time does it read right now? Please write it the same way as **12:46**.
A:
**1:04**
